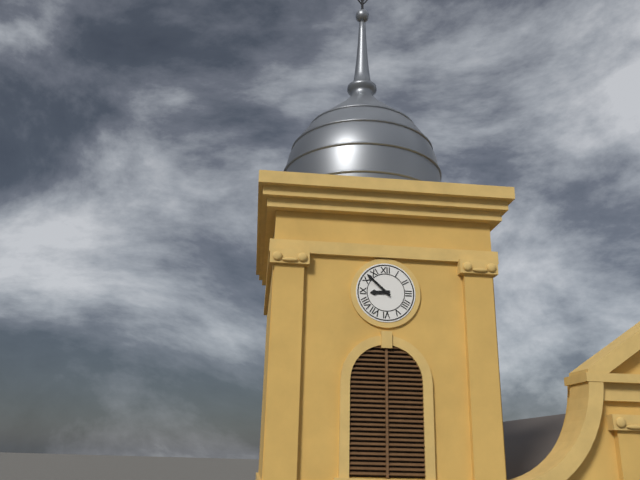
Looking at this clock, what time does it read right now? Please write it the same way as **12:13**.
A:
**8:52**
